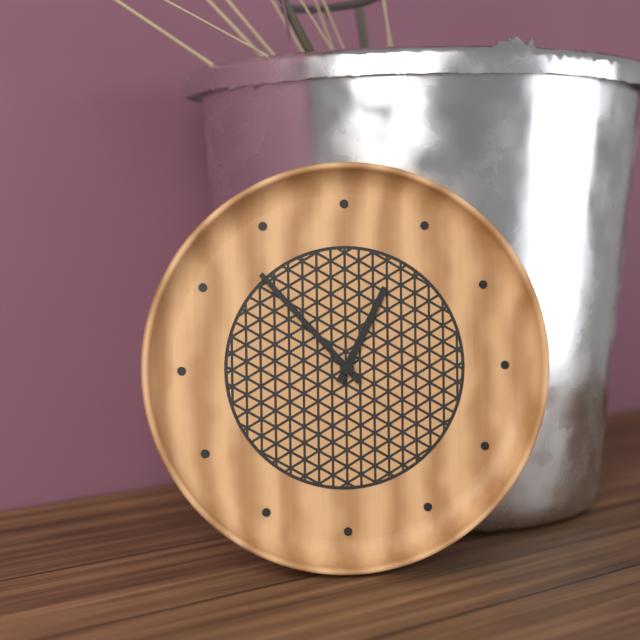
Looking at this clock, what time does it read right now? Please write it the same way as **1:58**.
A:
**12:53**
